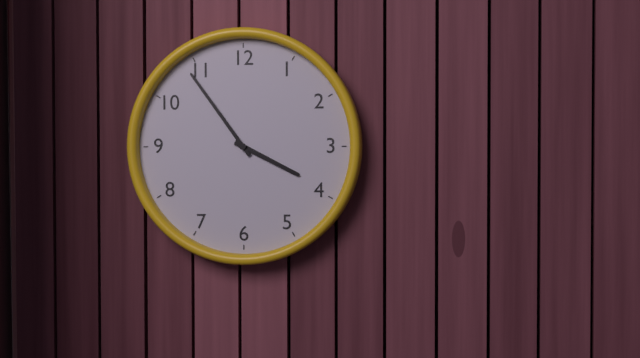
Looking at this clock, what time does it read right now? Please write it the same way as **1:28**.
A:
**3:54**
